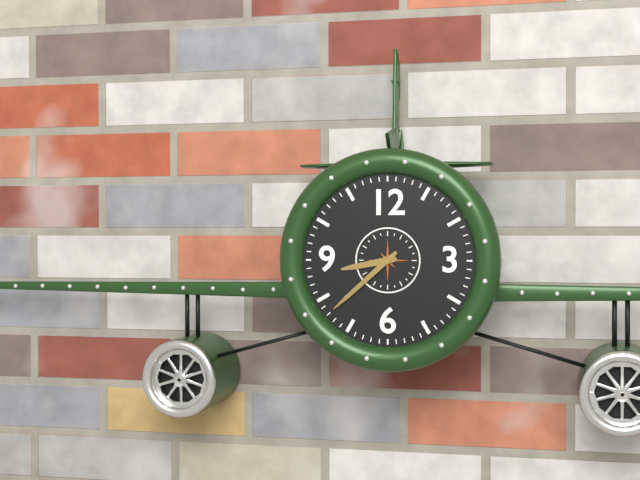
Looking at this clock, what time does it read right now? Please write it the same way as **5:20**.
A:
**8:38**
